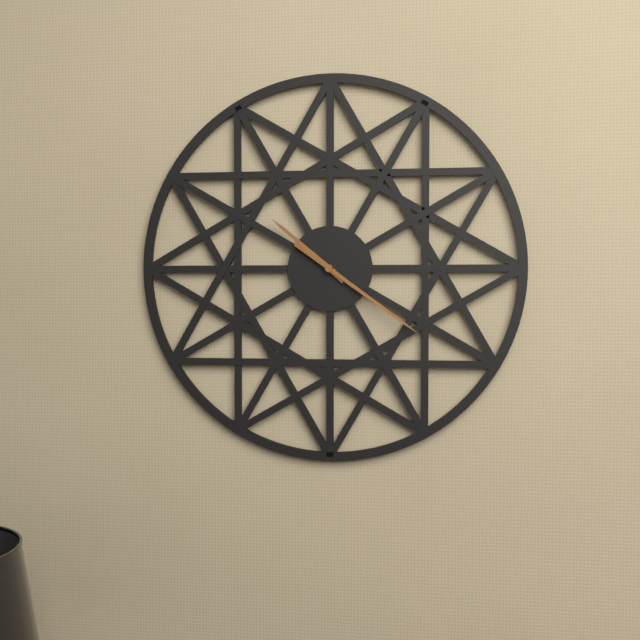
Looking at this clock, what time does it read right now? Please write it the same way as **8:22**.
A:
**10:21**
